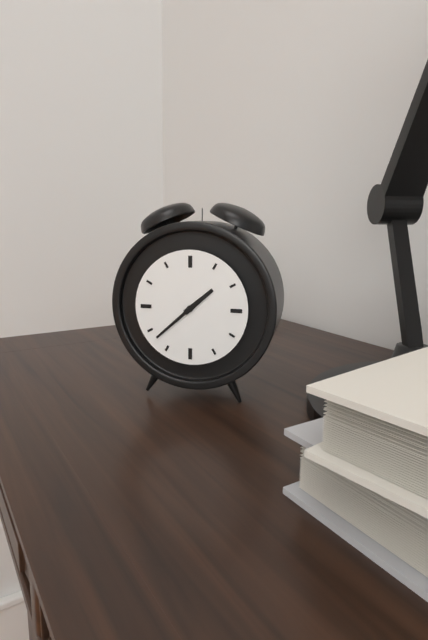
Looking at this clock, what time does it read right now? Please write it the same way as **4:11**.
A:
**1:38**
